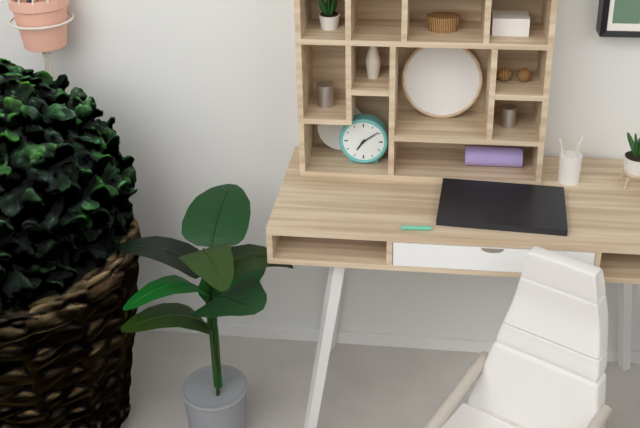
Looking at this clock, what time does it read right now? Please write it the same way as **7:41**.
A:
**7:09**
